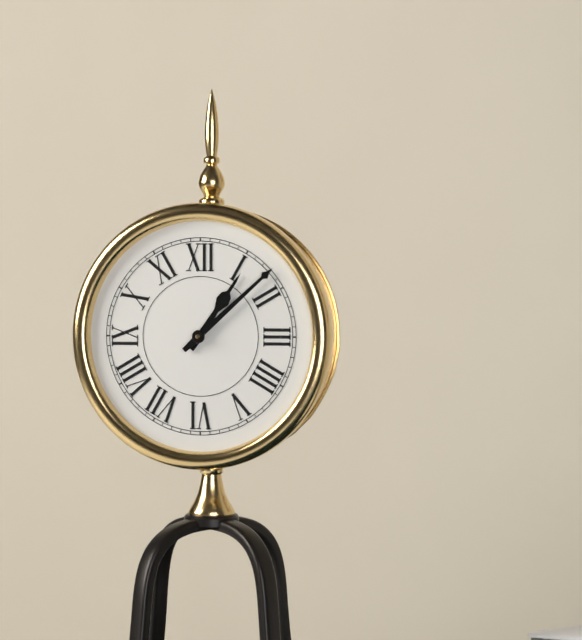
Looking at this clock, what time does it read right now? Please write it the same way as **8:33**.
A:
**1:08**
